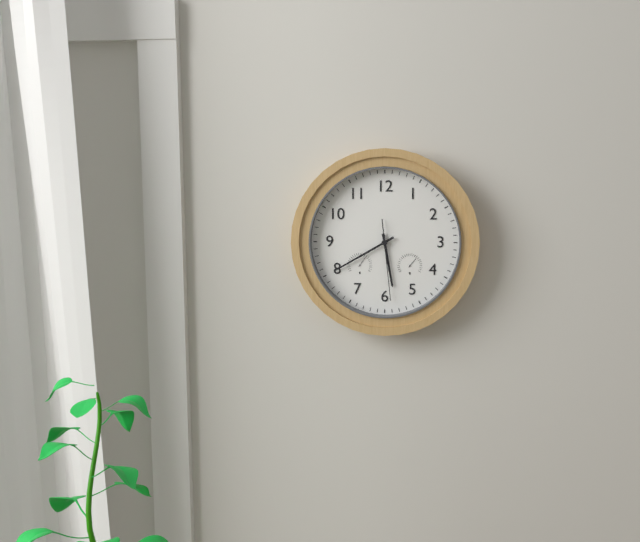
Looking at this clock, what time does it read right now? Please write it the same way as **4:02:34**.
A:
**5:40:29**
